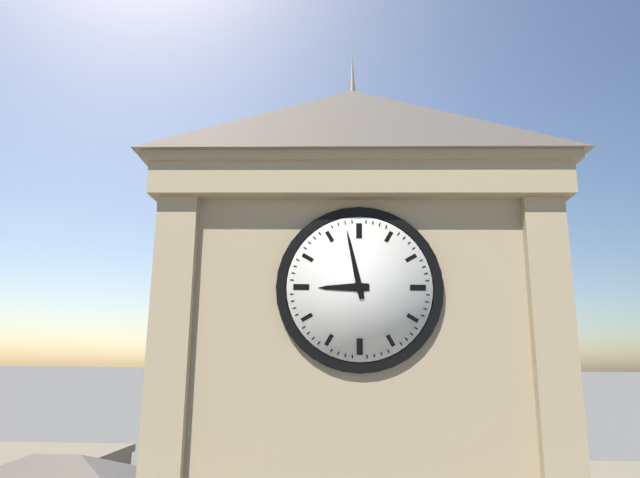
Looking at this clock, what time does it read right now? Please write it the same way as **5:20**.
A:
**8:58**
